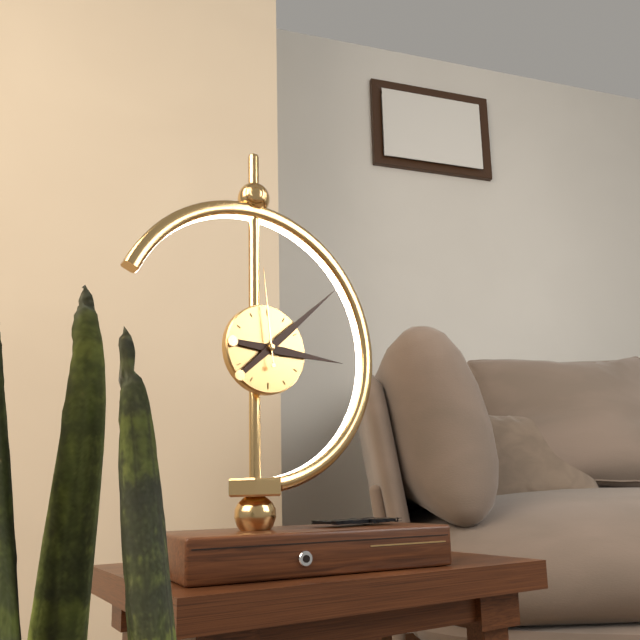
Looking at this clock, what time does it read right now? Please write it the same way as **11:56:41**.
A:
**3:08:59**
